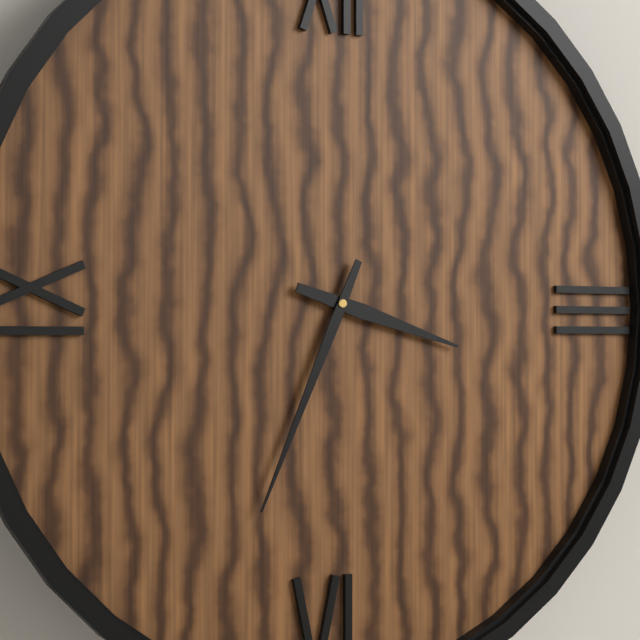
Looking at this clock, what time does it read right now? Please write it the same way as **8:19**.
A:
**3:34**
